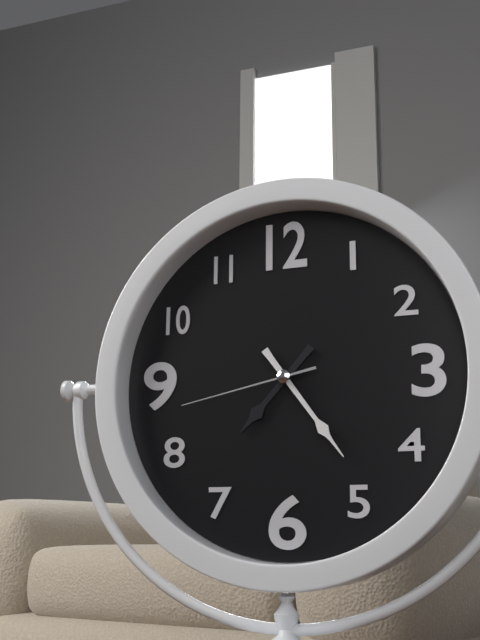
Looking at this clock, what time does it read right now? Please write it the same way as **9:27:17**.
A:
**7:24:43**
